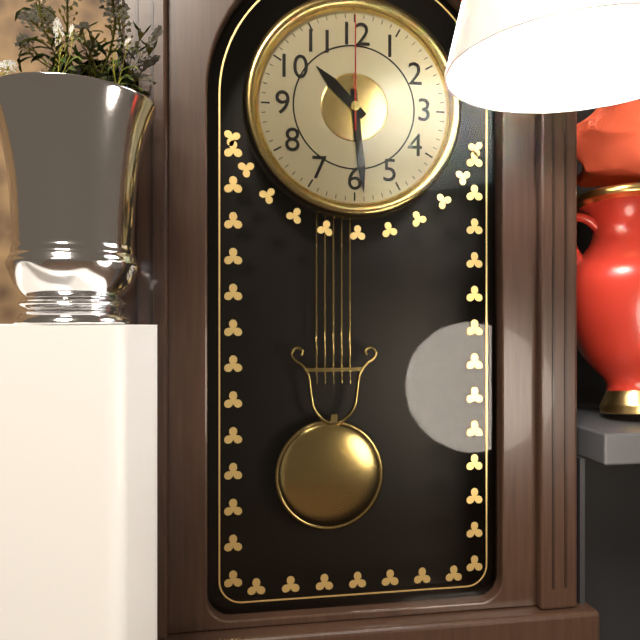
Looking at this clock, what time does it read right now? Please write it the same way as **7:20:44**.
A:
**10:29:00**
